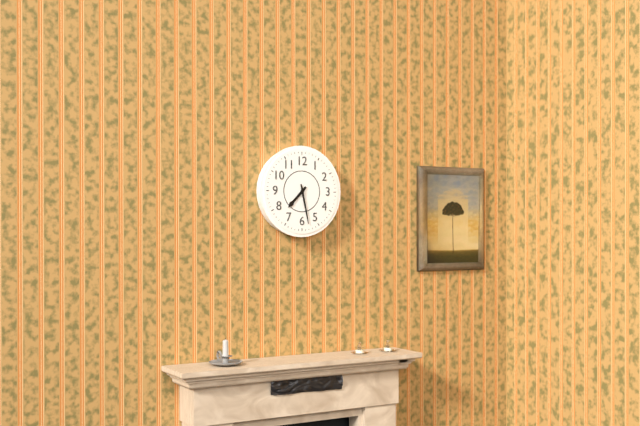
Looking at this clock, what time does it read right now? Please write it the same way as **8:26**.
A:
**7:28**
